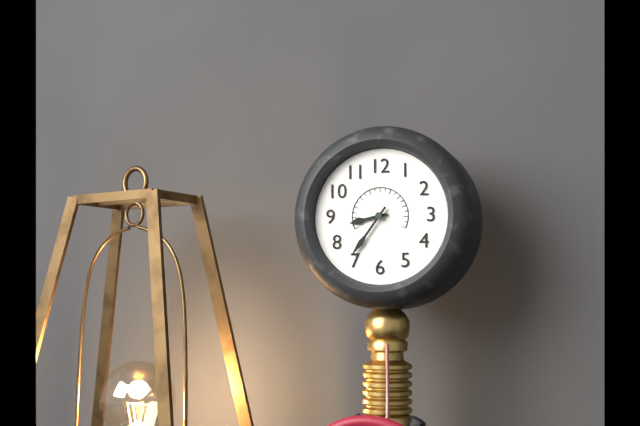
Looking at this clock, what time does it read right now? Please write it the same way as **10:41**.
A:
**8:36**
